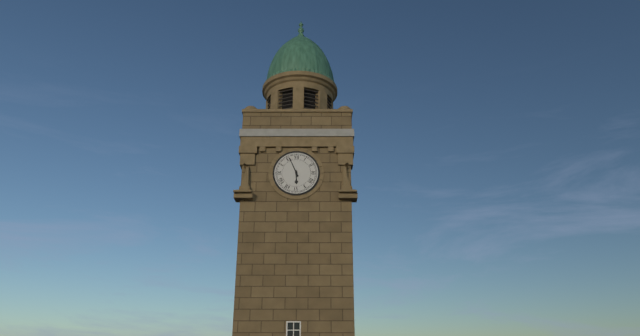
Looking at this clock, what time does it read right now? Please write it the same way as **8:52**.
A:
**5:56**
